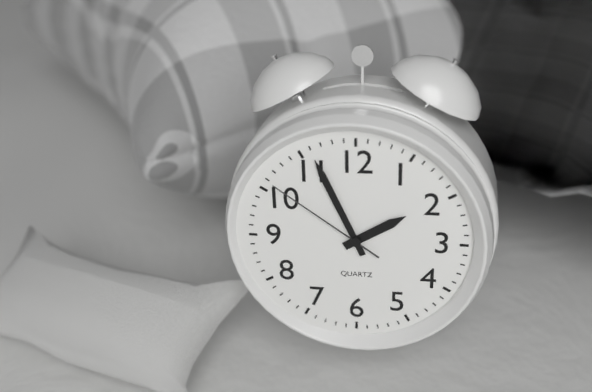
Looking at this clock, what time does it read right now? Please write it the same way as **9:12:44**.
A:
**1:56:51**
